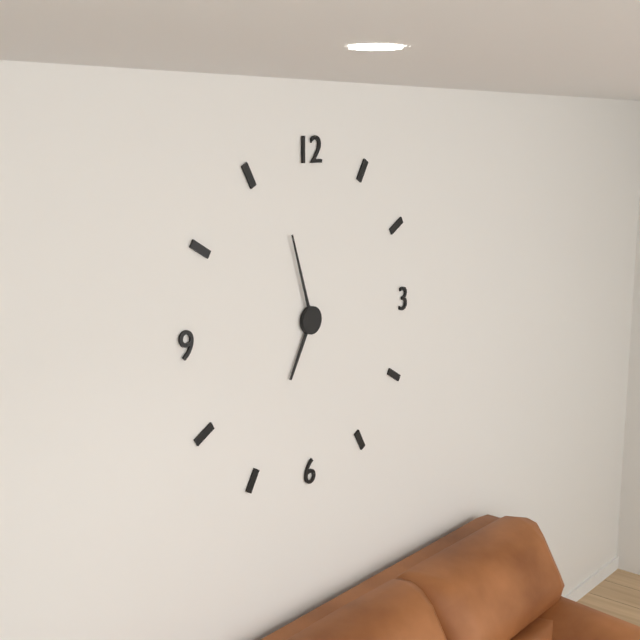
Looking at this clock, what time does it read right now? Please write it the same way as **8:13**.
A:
**6:57**
